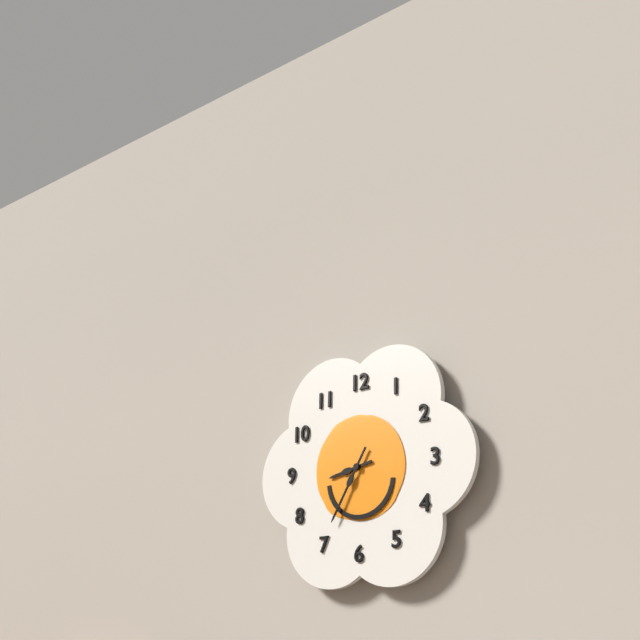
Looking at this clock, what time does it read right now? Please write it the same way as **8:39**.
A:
**8:35**
